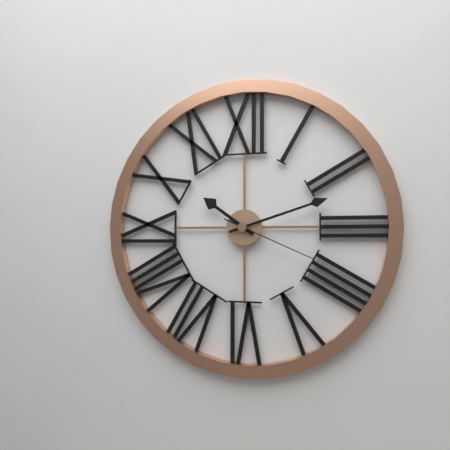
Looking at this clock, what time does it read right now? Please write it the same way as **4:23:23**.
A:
**10:12:19**
